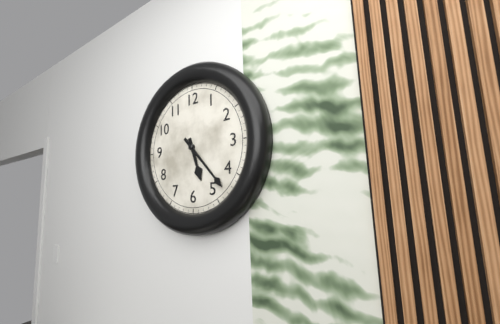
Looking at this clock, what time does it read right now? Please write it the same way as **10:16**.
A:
**5:23**
